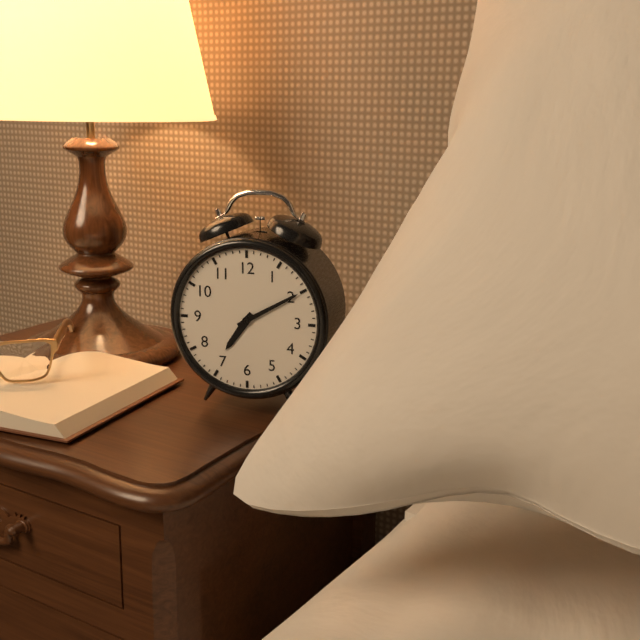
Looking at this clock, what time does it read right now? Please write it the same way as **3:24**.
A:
**7:10**
